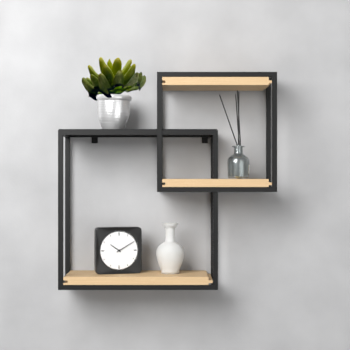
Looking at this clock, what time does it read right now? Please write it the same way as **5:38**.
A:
**10:10**
